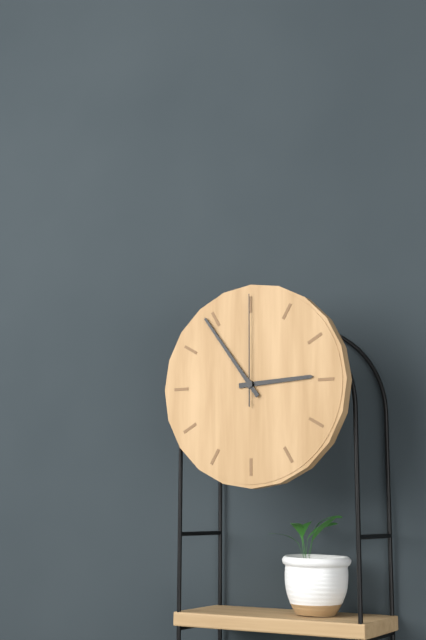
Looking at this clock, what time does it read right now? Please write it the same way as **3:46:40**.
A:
**2:54:00**
